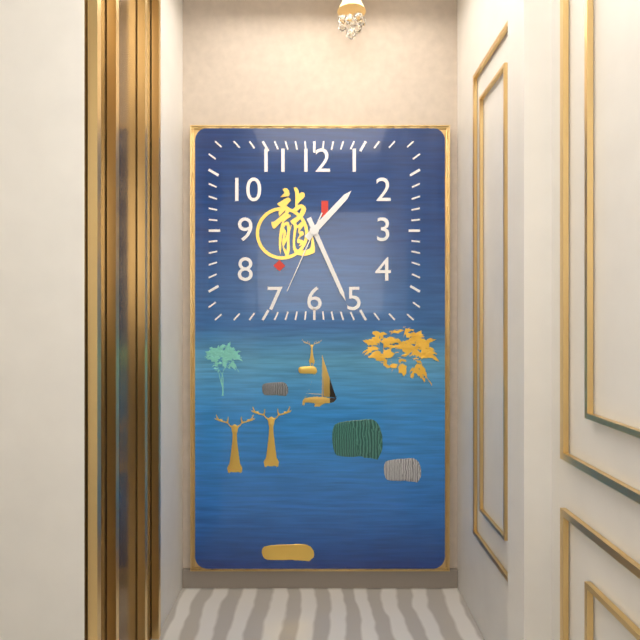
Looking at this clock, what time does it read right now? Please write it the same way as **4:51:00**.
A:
**1:26:34**
